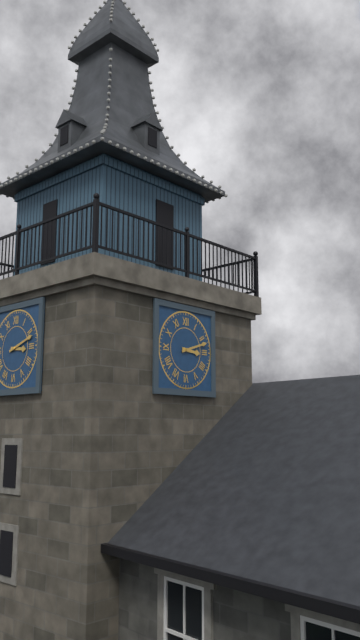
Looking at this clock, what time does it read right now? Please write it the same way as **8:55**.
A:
**3:12**
